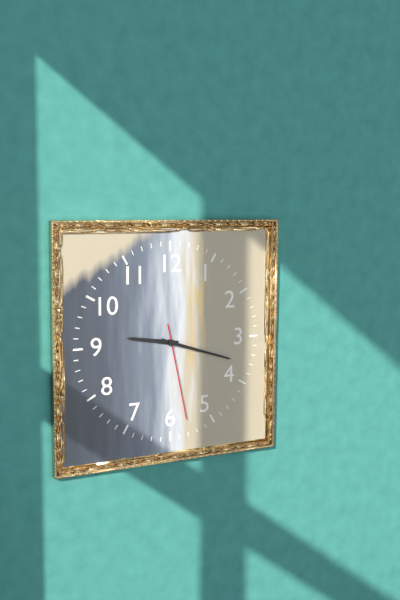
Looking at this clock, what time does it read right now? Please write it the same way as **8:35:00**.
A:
**9:18:28**
